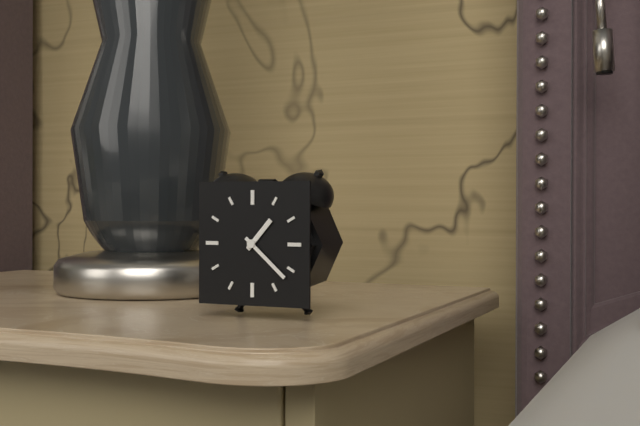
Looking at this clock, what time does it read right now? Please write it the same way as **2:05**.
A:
**1:22**
